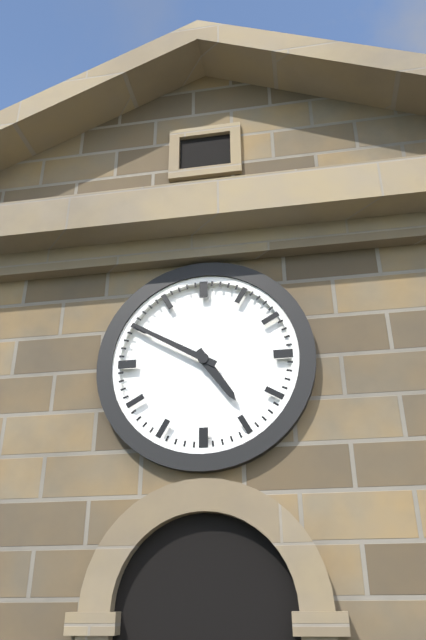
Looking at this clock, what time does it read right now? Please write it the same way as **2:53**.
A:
**4:50**
